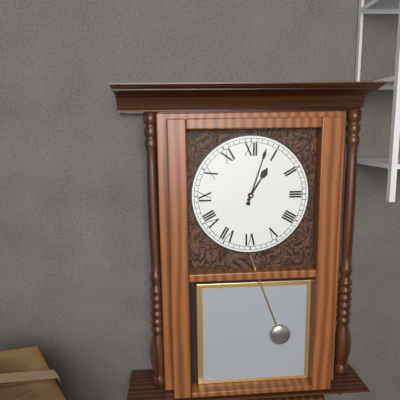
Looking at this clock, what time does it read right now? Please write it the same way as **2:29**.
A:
**1:03**
